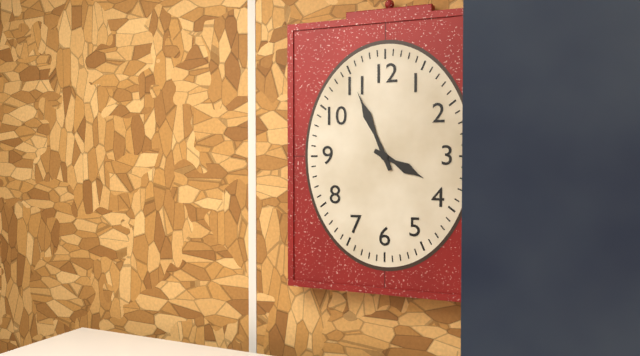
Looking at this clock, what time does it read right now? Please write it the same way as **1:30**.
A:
**3:56**
